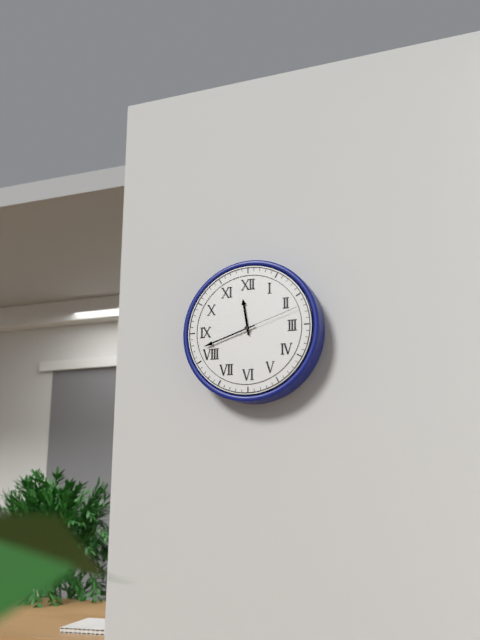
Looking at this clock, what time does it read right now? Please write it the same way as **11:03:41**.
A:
**11:42:12**
